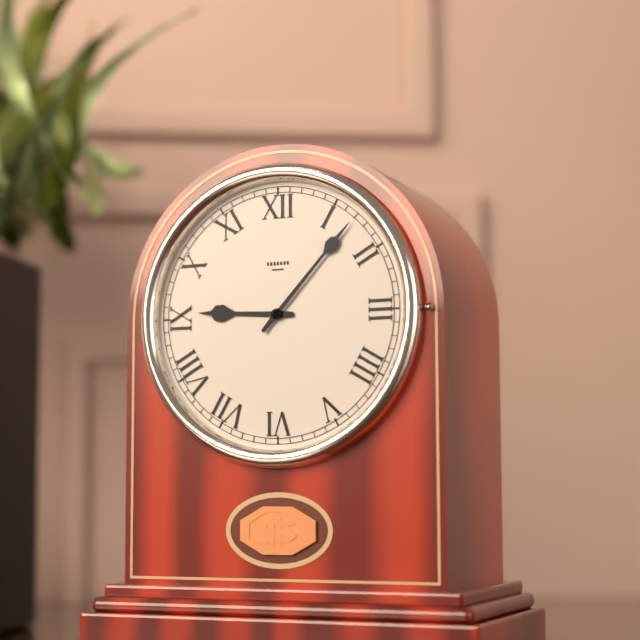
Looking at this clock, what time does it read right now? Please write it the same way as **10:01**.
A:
**9:07**
